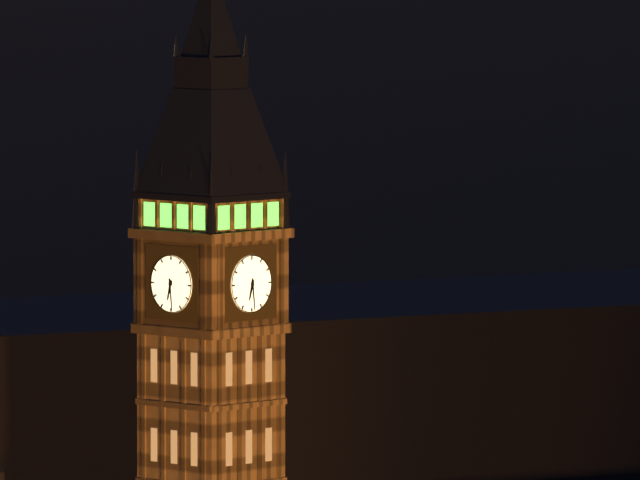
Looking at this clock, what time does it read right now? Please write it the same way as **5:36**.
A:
**6:29**
